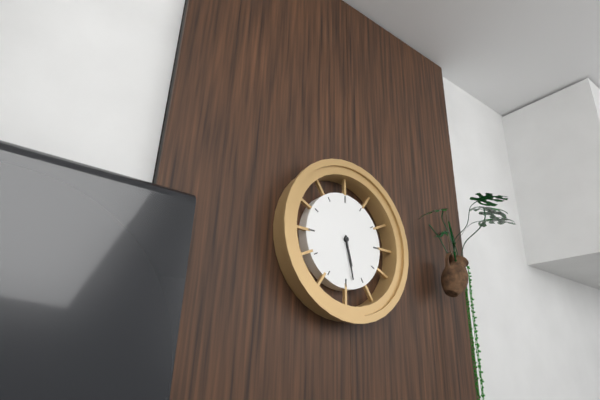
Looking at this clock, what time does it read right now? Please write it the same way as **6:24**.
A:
**5:28**
